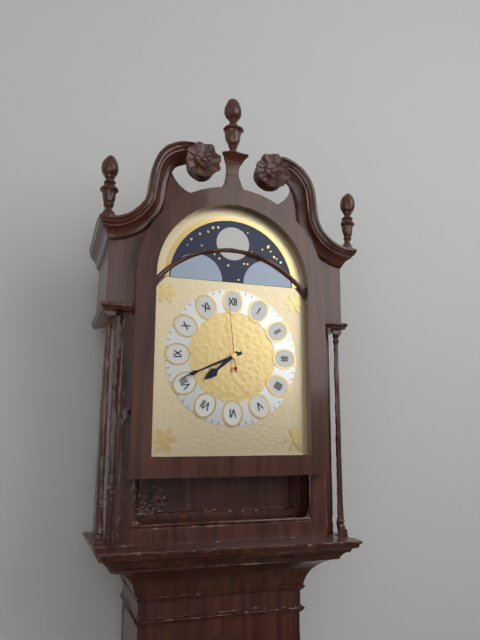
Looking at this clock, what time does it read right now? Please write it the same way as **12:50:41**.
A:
**7:41:59**
